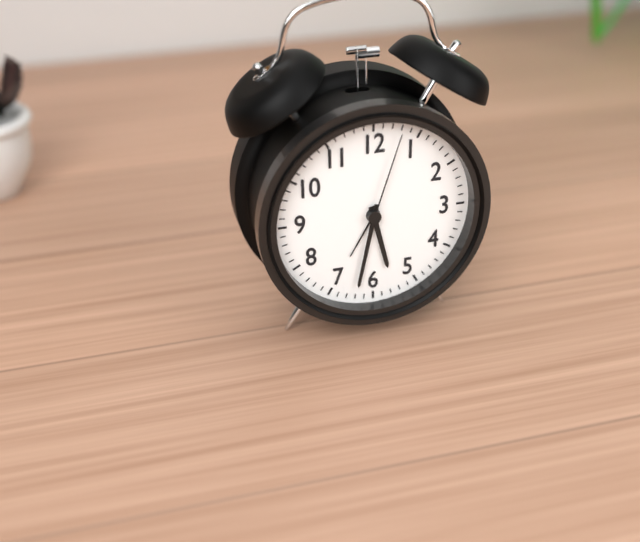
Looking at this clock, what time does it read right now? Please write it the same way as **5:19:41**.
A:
**5:32:03**
